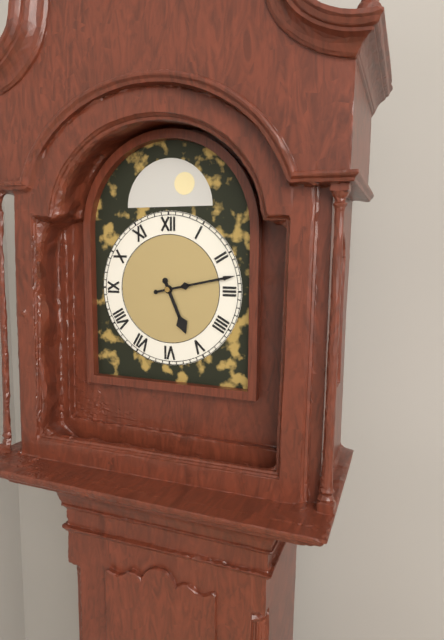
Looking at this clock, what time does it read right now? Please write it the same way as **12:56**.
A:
**5:13**
